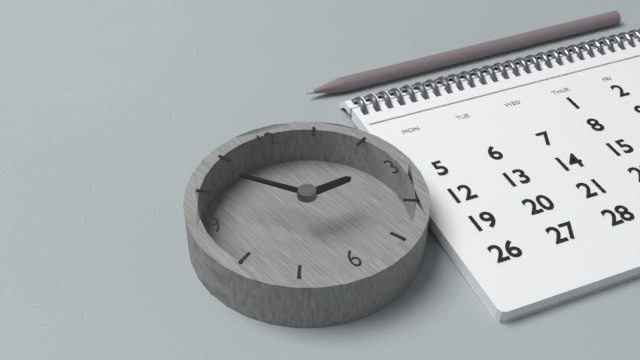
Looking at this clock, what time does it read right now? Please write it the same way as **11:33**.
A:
**2:53**
